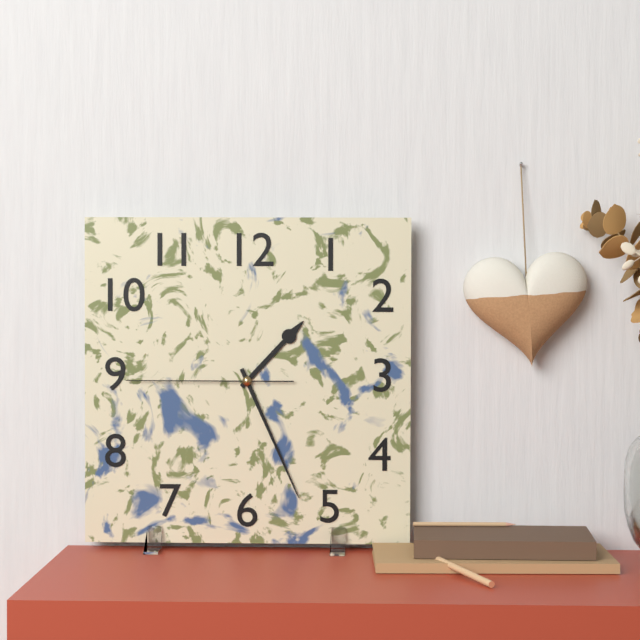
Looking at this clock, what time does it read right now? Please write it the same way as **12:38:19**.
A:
**1:26:45**
